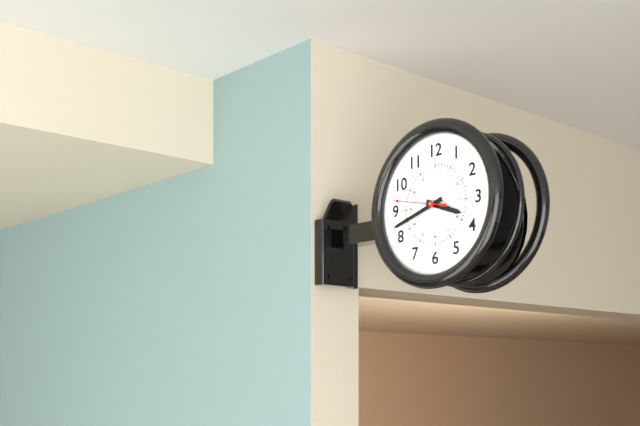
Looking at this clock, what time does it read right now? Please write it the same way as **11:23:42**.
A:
**3:42:47**
